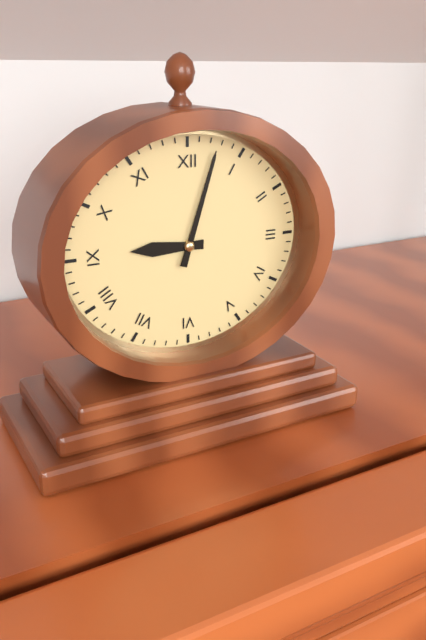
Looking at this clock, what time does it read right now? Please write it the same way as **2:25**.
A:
**9:03**
